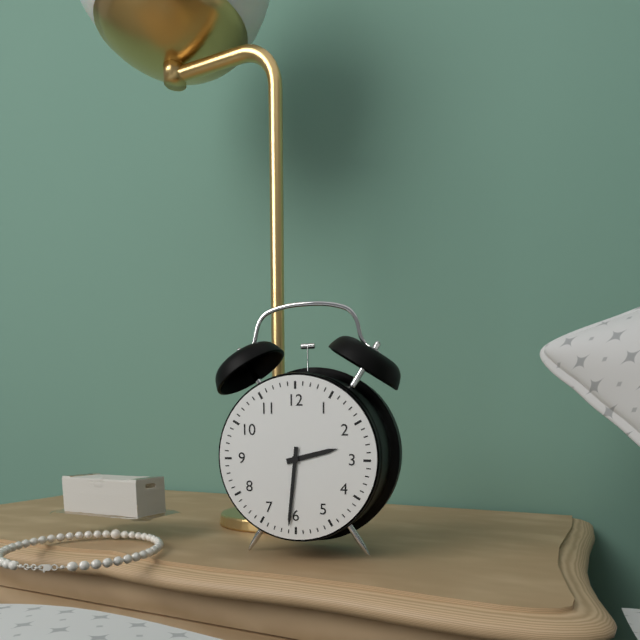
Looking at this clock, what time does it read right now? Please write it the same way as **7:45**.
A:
**2:31**
